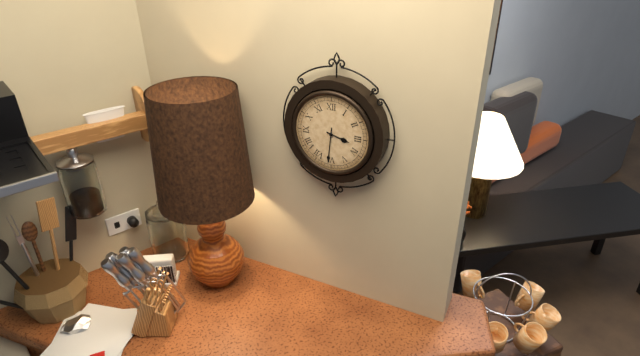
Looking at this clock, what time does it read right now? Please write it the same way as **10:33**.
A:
**3:31**
